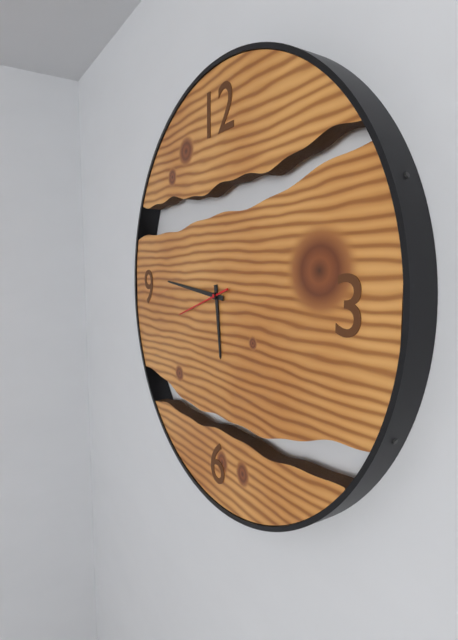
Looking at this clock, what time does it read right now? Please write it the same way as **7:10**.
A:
**5:46**
